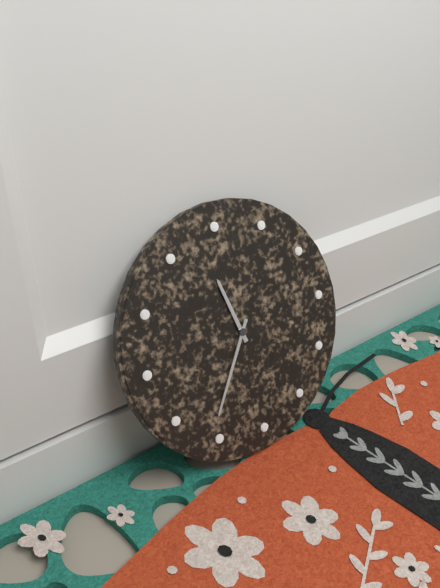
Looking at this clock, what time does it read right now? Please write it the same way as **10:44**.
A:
**11:36**
